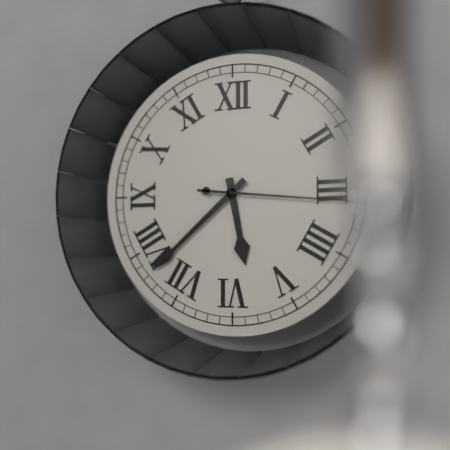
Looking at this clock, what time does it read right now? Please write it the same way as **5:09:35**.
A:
**5:38:16**
